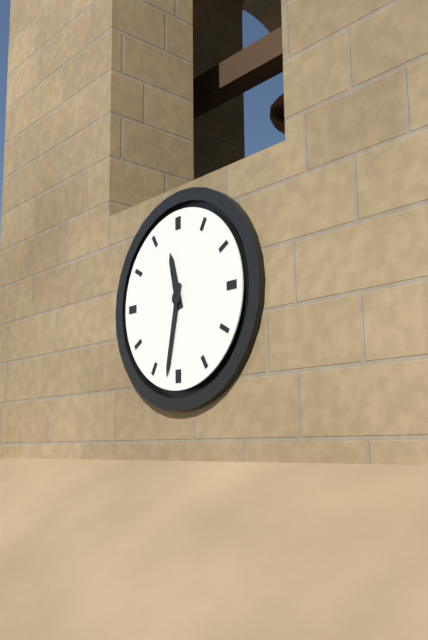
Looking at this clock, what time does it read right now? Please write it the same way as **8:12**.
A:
**11:32**
